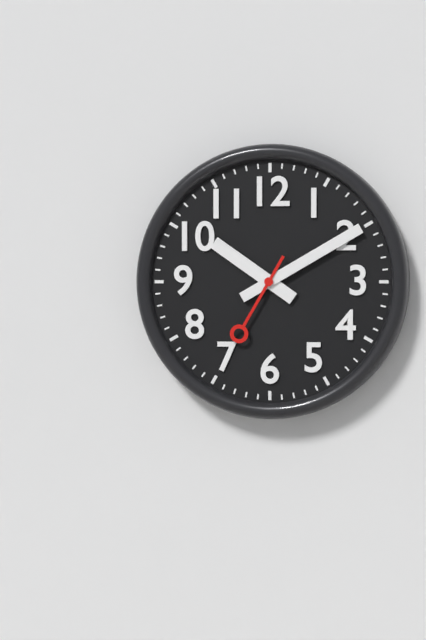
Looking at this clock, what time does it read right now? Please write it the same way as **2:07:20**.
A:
**10:10:35**
